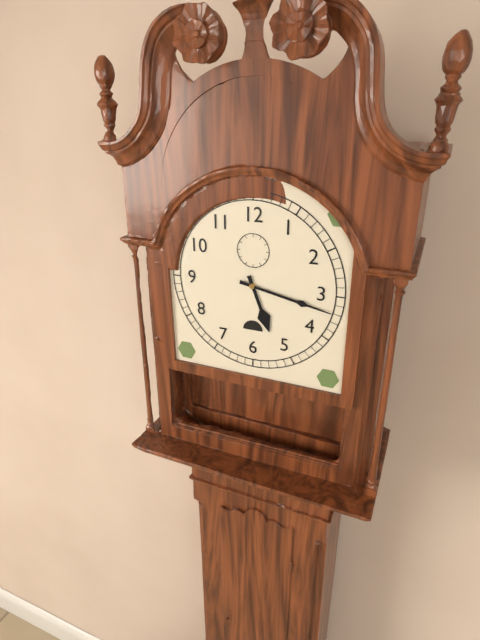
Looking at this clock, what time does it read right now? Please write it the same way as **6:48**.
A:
**5:17**
